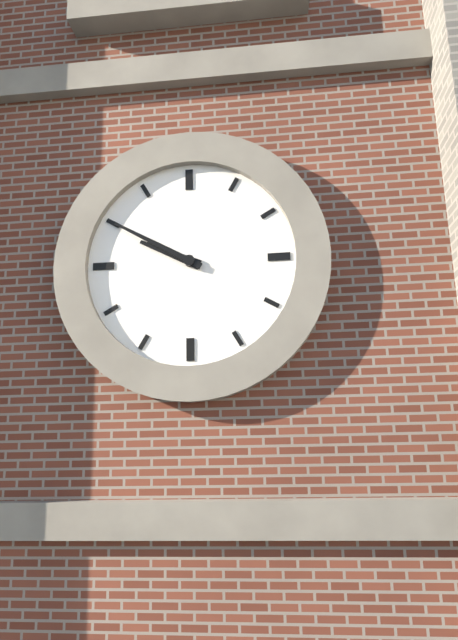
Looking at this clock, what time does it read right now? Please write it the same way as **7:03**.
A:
**9:50**
